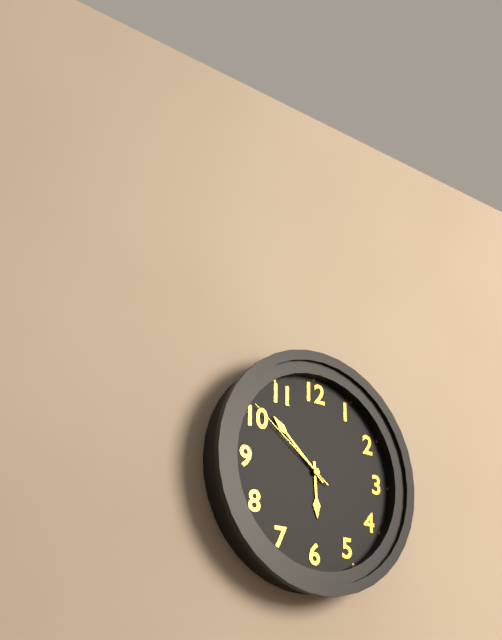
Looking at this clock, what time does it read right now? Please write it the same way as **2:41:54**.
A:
**5:52:51**
